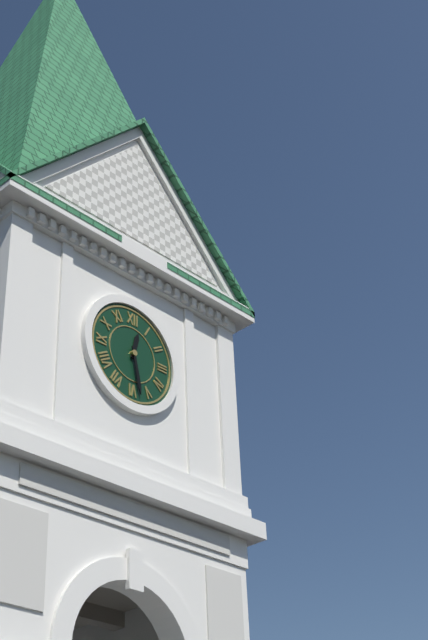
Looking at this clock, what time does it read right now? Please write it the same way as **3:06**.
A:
**12:28**
